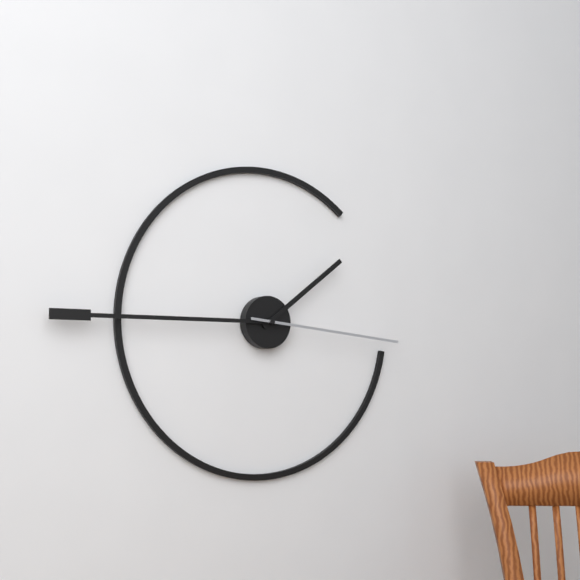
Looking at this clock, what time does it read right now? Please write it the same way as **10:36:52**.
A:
**1:45:16**
